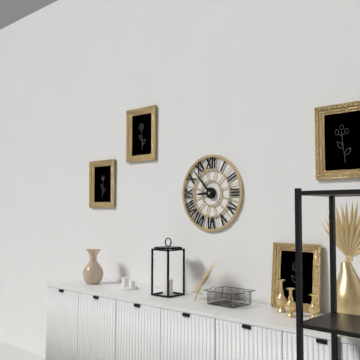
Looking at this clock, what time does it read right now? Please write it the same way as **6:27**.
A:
**8:53**
